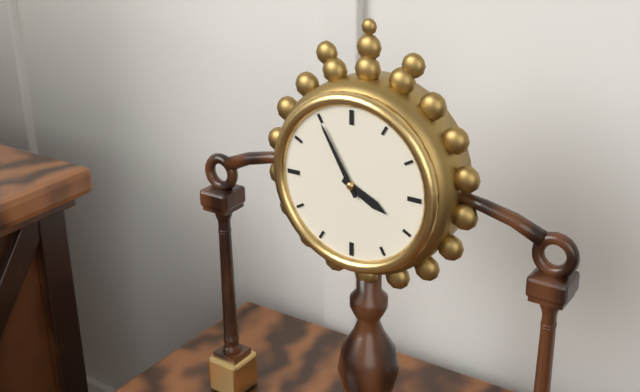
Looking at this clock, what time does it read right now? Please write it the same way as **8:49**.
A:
**3:55**
